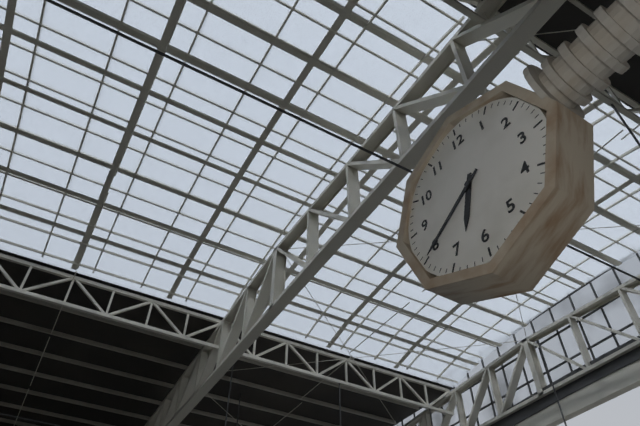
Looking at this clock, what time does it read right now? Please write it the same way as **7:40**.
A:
**6:40**
